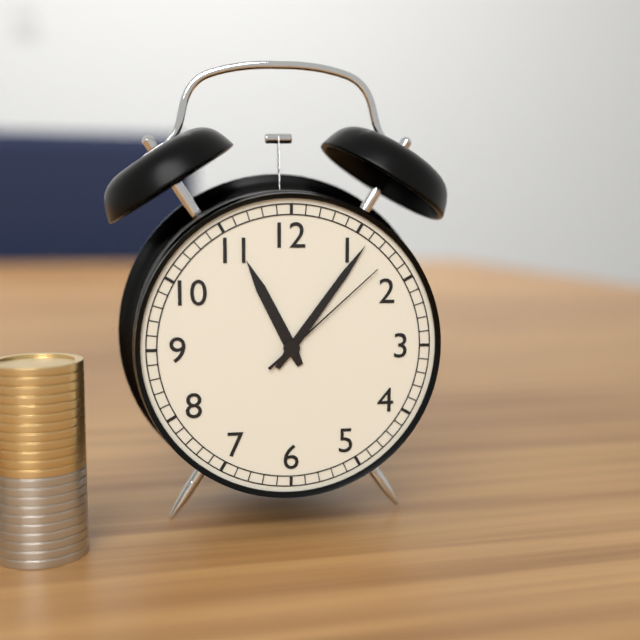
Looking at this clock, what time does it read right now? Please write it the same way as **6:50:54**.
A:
**11:06:08**
